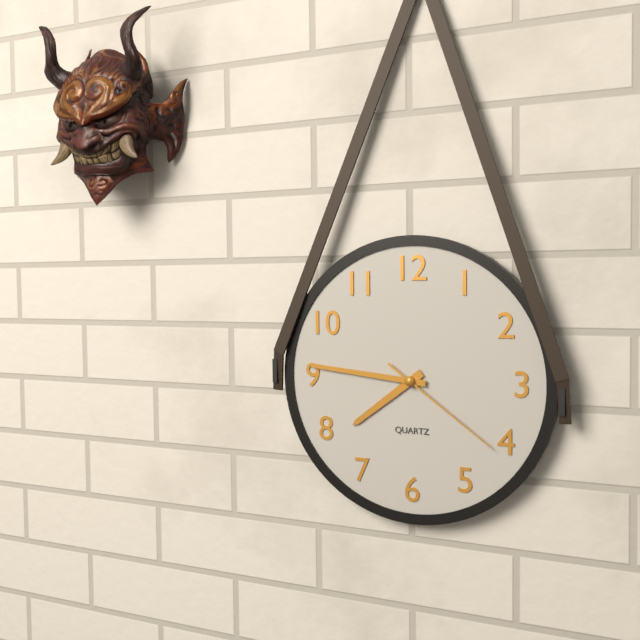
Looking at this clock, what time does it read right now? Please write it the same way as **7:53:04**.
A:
**7:46:21**
